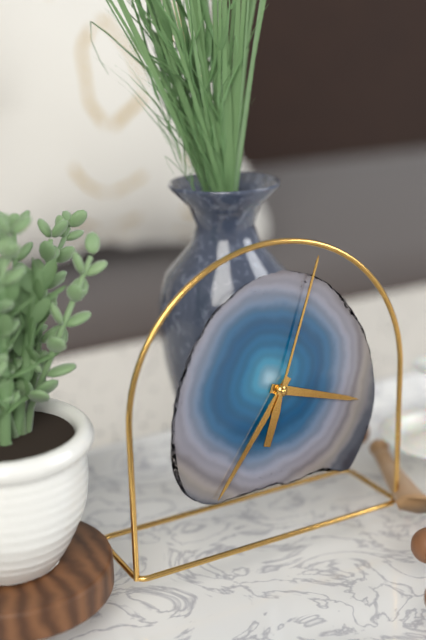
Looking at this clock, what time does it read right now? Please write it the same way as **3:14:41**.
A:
**3:36:03**
